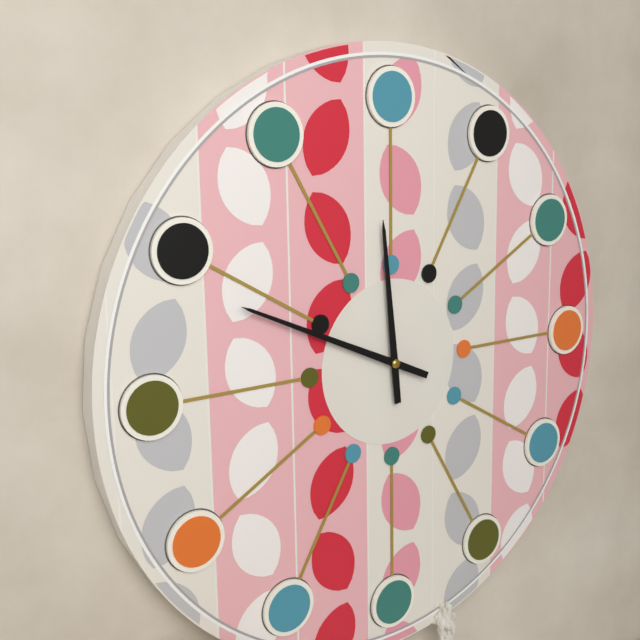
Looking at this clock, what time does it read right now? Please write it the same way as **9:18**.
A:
**11:49**
